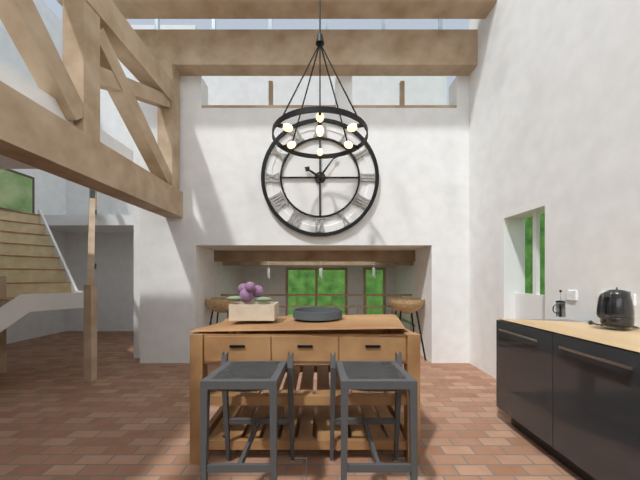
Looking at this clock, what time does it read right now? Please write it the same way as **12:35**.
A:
**10:06**
